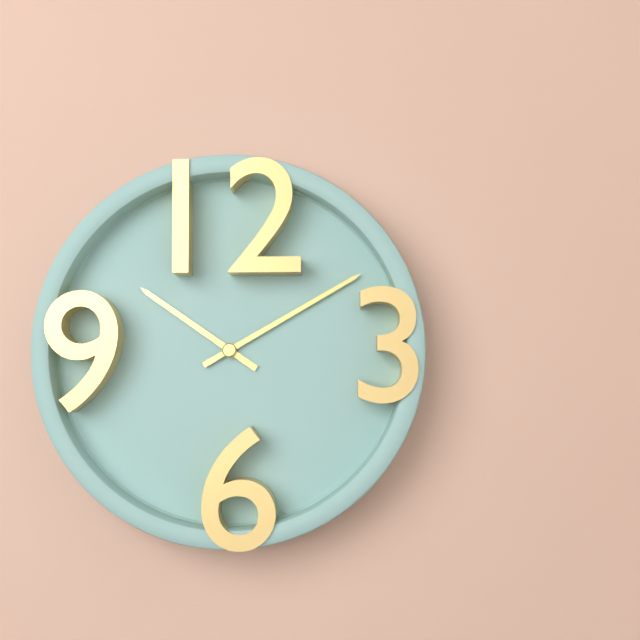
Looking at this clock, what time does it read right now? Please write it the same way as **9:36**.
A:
**10:10**
